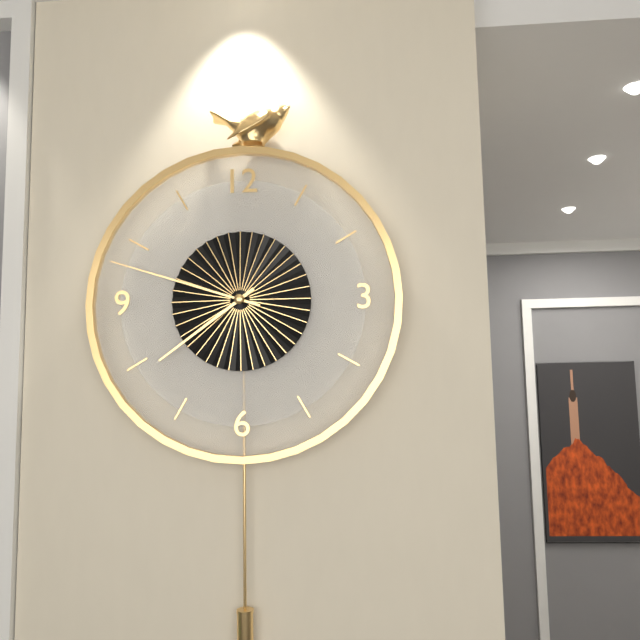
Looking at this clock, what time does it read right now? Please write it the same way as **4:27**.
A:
**7:48**
